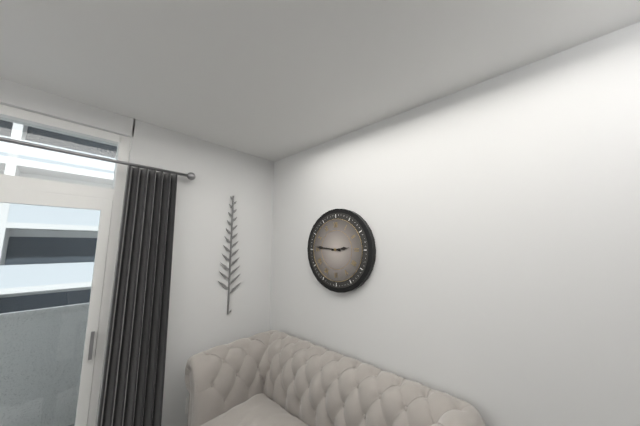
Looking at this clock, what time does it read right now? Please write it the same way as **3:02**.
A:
**2:46**
